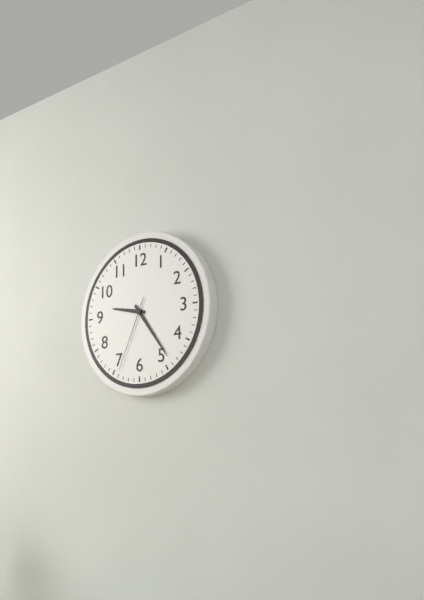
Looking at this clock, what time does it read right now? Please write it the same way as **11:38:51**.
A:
**9:24:34**
